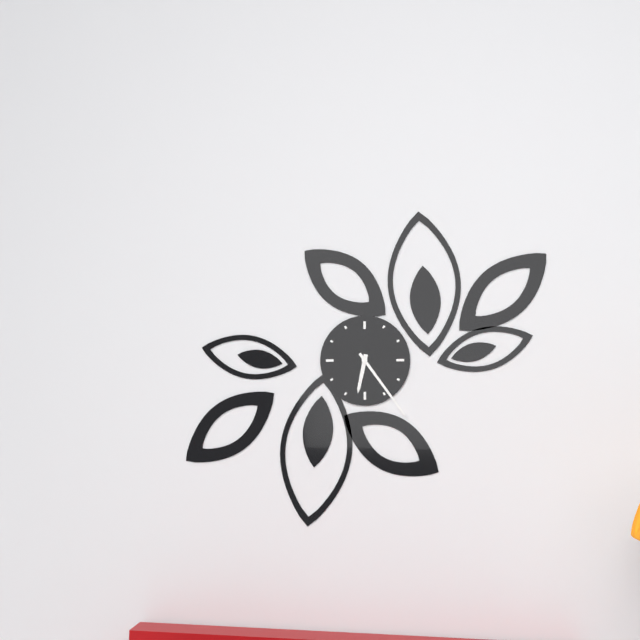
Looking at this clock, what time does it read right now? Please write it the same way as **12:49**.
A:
**6:24**
